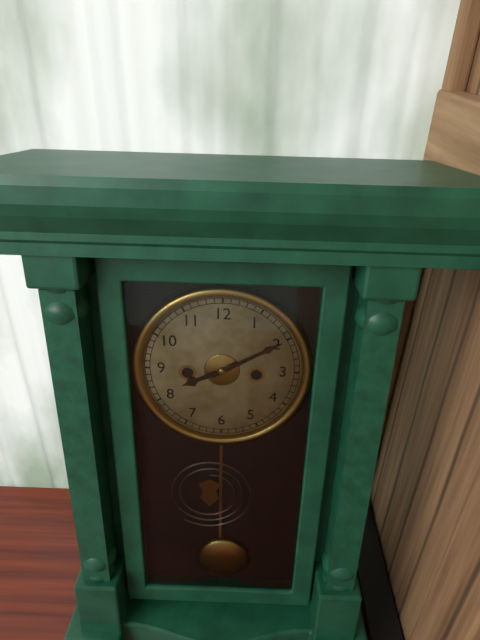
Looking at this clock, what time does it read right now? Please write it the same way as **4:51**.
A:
**8:10**
